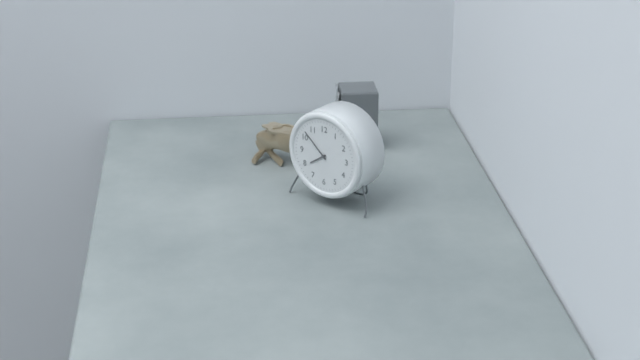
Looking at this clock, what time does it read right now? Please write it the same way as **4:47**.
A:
**7:52**
